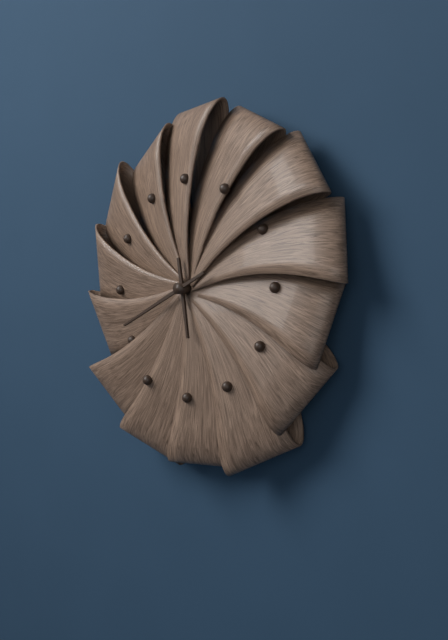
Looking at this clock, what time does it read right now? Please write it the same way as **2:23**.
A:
**5:41**
